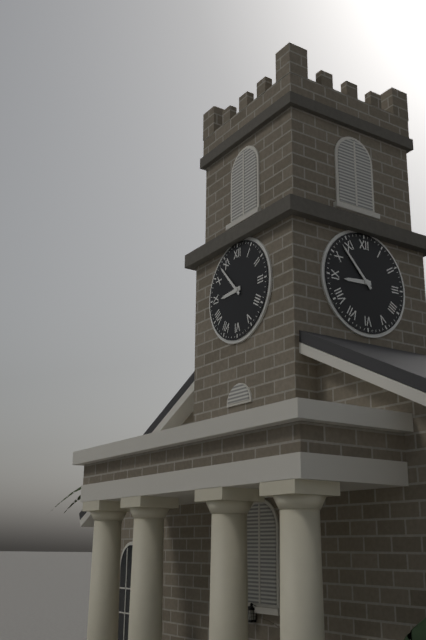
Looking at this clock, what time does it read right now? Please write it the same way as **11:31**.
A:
**8:53**
